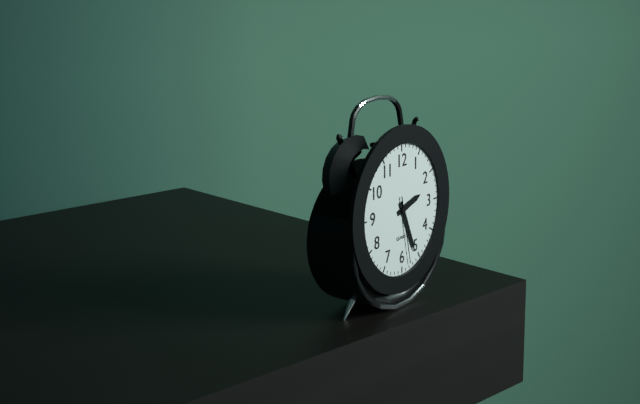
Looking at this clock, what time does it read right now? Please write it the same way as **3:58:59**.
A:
**2:26:28**
